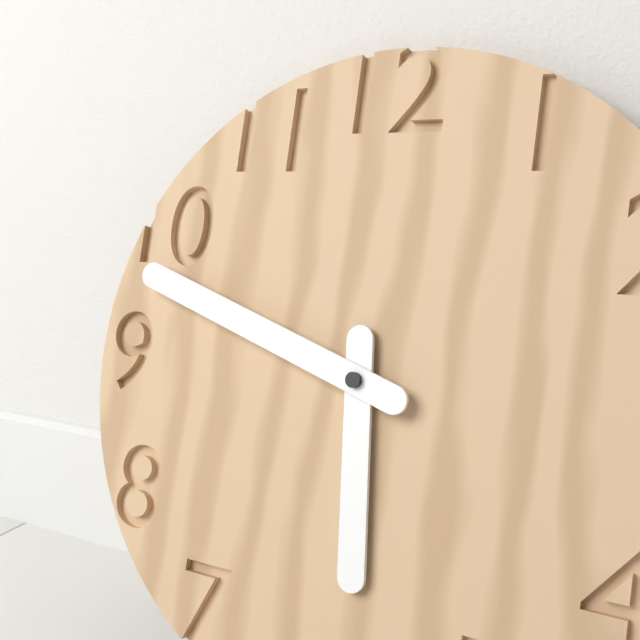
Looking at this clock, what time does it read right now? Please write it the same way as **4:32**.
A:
**5:48**
